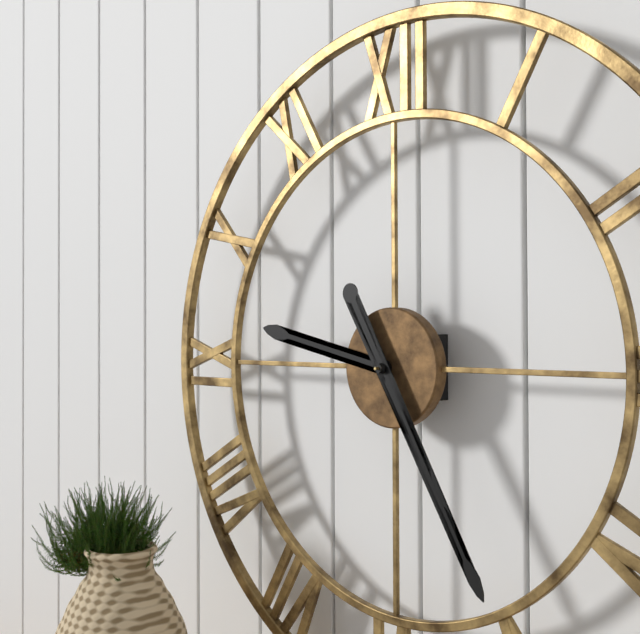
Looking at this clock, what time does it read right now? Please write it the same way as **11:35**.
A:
**9:25**
